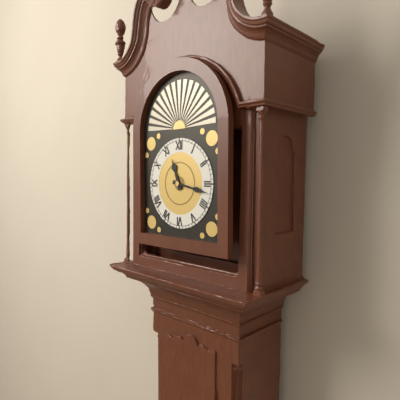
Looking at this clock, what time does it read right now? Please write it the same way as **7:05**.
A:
**11:17**
